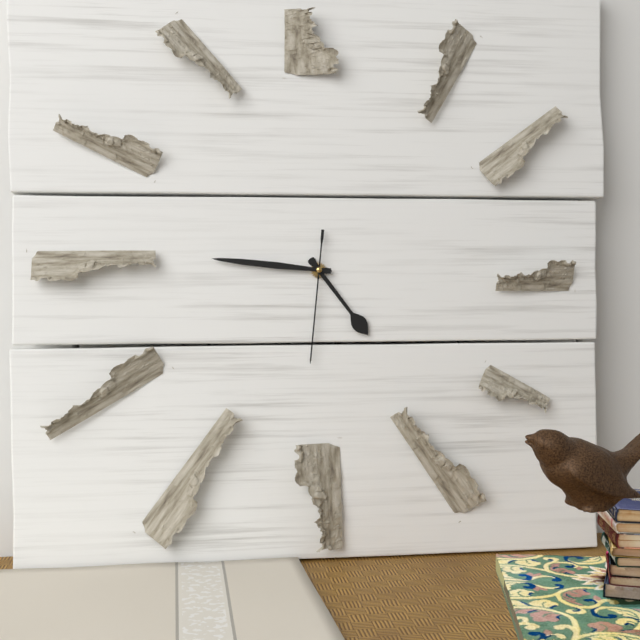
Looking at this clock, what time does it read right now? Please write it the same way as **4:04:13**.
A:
**4:46:31**
